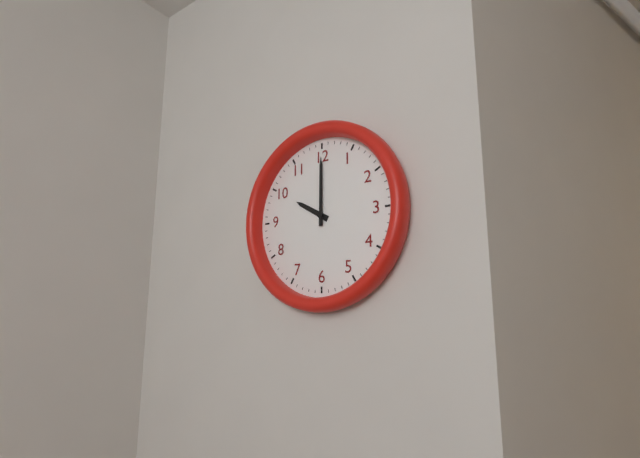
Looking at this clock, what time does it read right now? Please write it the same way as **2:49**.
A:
**10:00**
